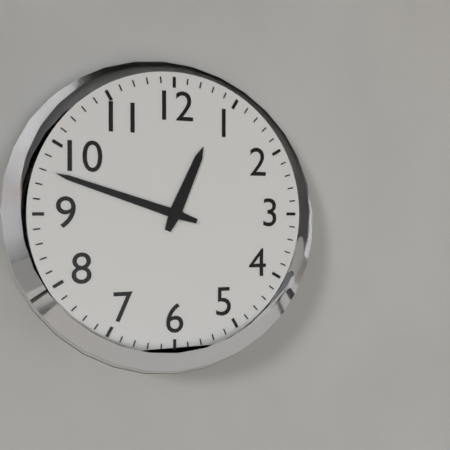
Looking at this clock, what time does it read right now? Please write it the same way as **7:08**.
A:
**12:48**
